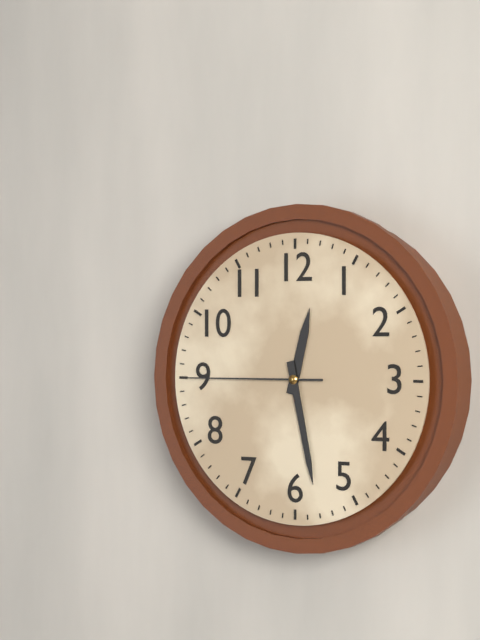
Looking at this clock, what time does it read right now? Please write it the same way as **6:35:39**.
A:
**12:28:45**
